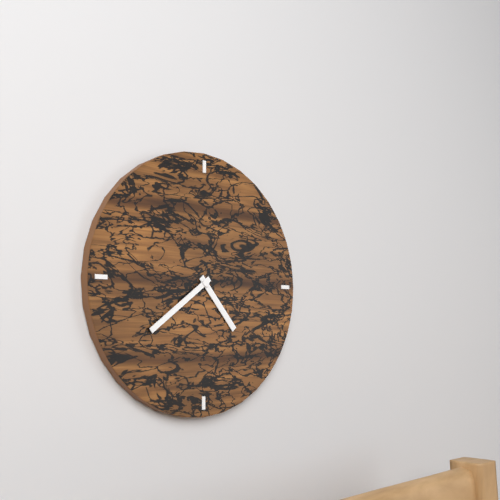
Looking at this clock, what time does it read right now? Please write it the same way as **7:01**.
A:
**4:39**
